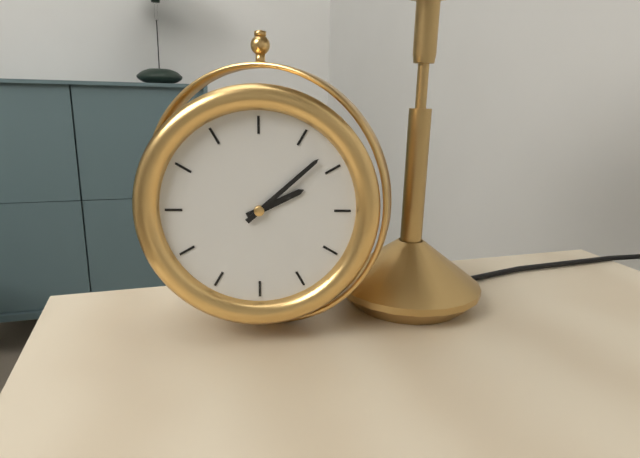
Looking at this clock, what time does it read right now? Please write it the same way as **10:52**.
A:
**2:08**
